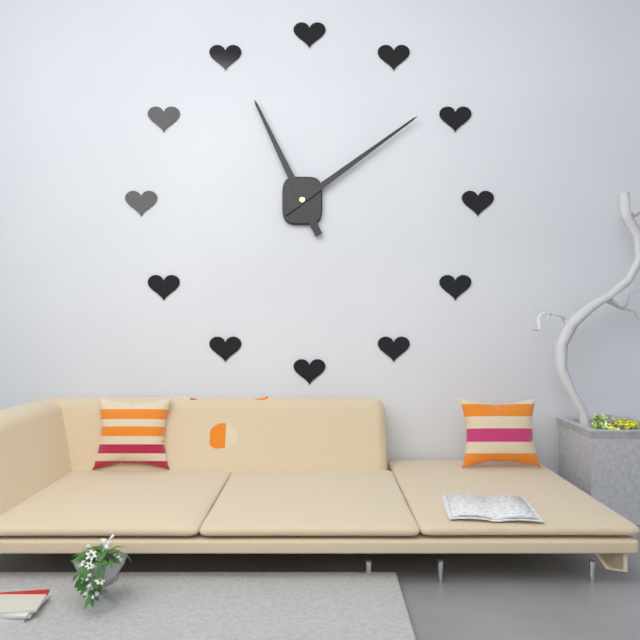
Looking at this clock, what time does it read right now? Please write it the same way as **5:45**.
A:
**11:09**
